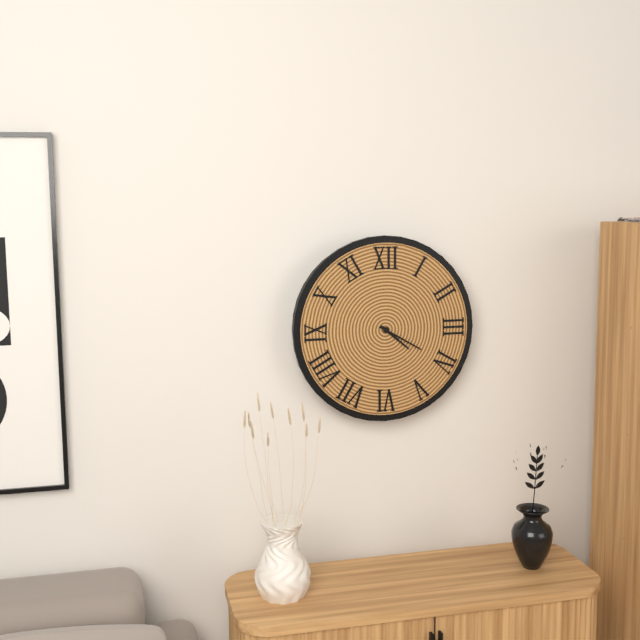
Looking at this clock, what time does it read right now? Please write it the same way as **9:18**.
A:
**4:20**
